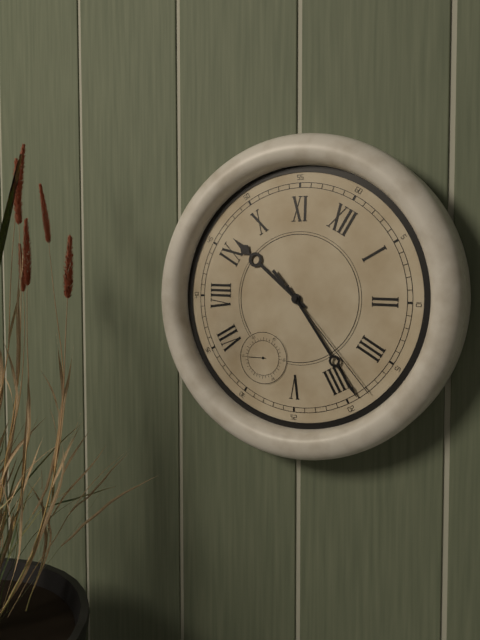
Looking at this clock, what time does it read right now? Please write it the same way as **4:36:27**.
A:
**9:19:18**
